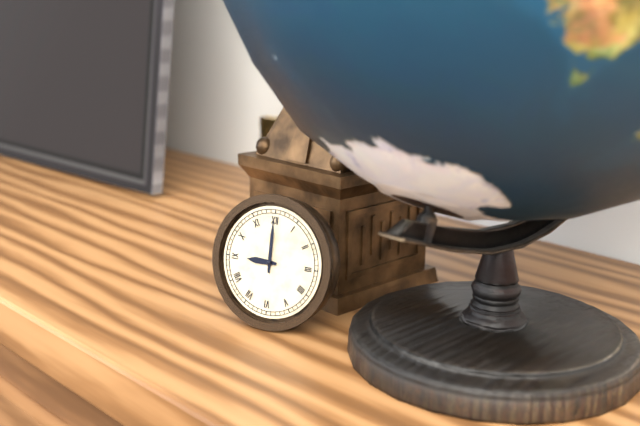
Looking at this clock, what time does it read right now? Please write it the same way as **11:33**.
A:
**9:00**
